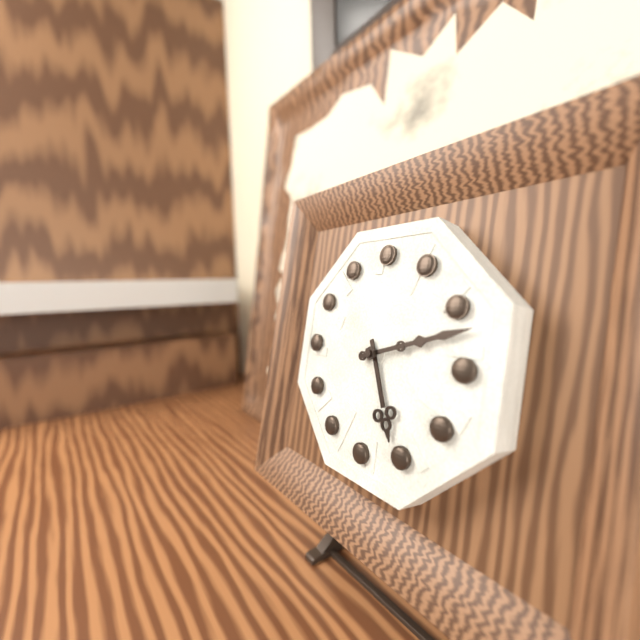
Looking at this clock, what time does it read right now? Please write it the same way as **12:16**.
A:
**5:12**
